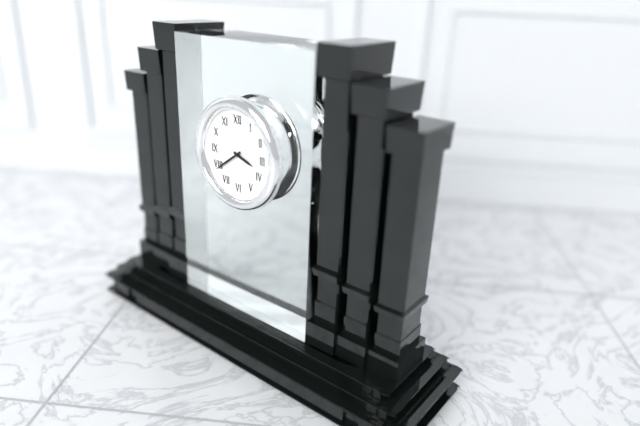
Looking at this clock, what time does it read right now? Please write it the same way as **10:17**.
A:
**3:39**
